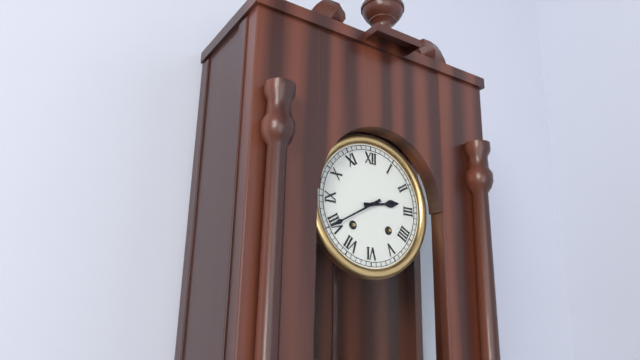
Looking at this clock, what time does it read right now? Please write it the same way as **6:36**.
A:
**2:40**
